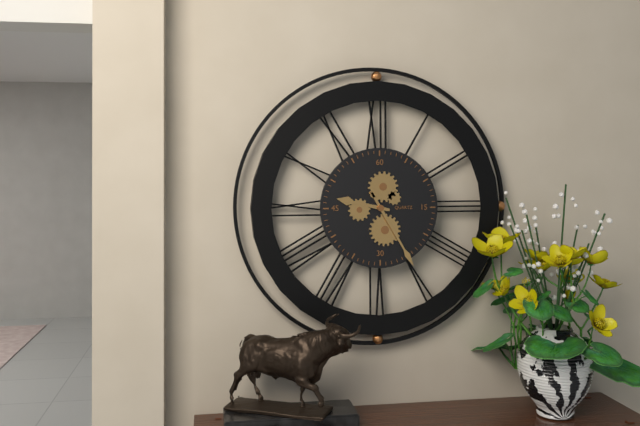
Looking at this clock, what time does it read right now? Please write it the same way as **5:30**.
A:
**9:25**
